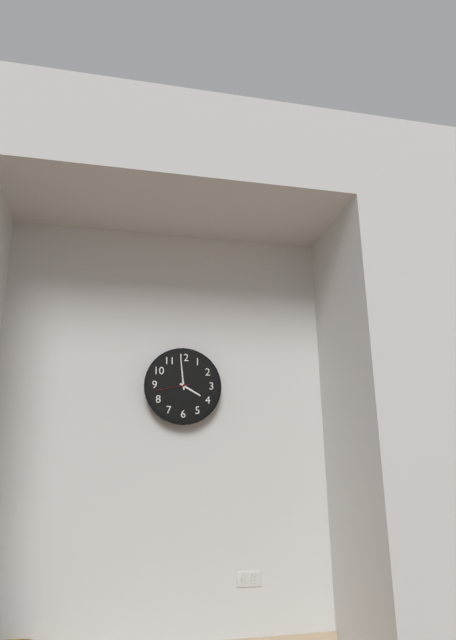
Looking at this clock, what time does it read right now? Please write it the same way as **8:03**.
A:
**3:59**
